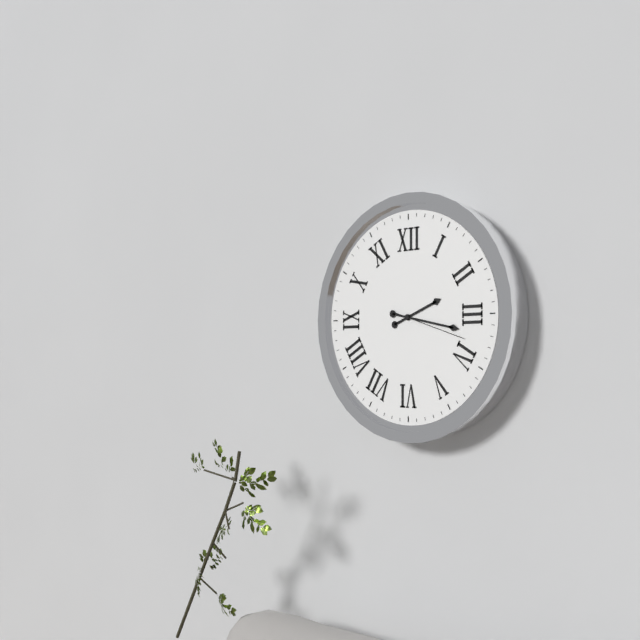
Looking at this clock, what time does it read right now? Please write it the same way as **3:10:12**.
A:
**2:17:18**
